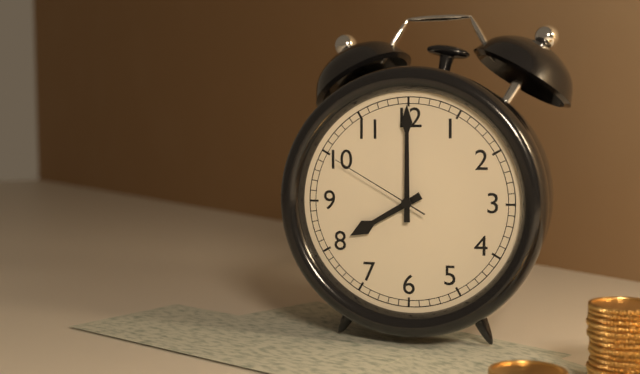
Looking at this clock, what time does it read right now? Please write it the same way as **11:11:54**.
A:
**8:00:50**
